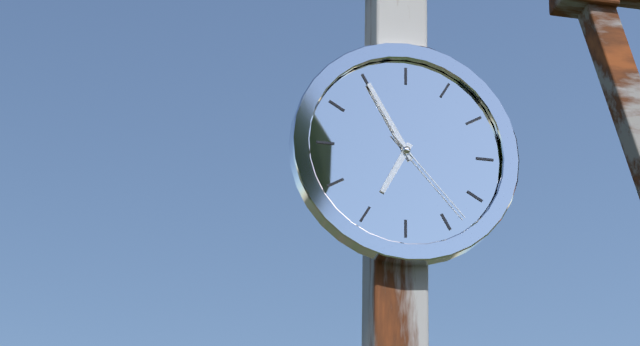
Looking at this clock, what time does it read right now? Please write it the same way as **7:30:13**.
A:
**6:55:23**
